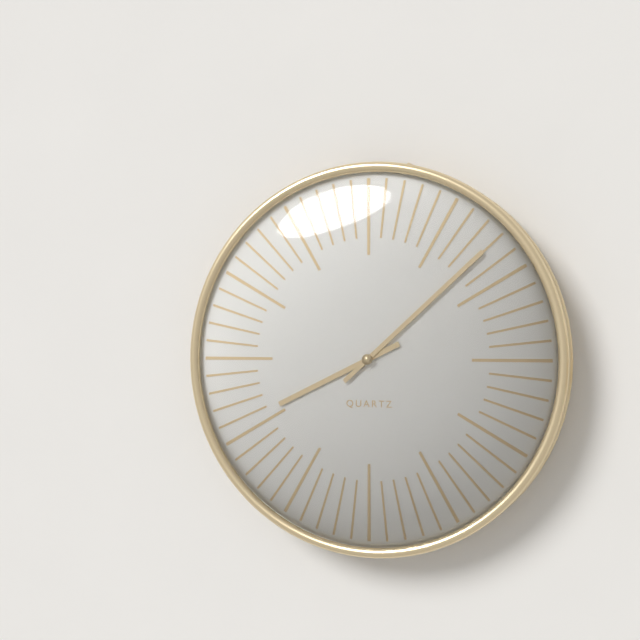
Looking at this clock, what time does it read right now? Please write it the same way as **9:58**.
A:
**8:08**
